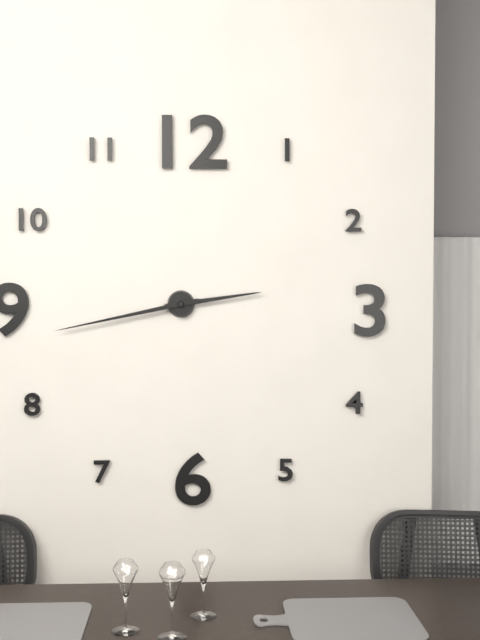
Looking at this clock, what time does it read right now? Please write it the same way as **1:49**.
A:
**2:43**
